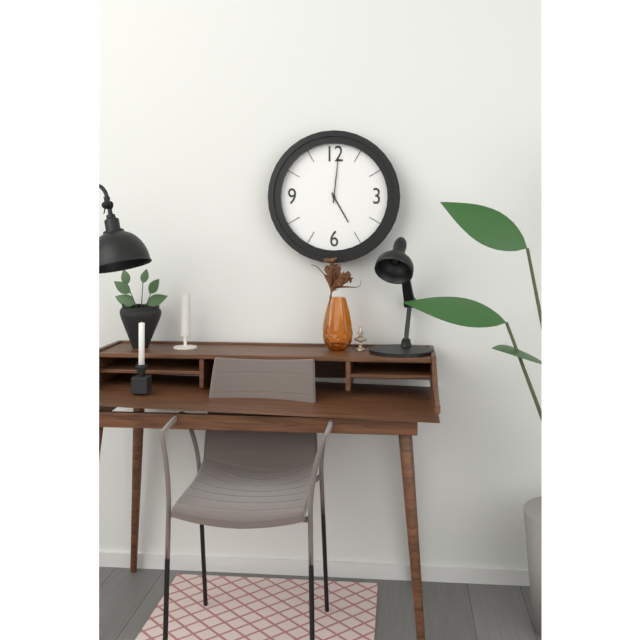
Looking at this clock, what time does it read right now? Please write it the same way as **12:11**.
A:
**5:01**
